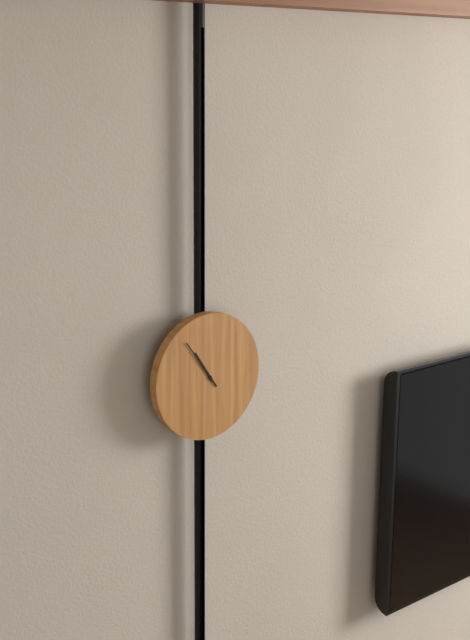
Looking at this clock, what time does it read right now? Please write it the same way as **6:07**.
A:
**10:54**
